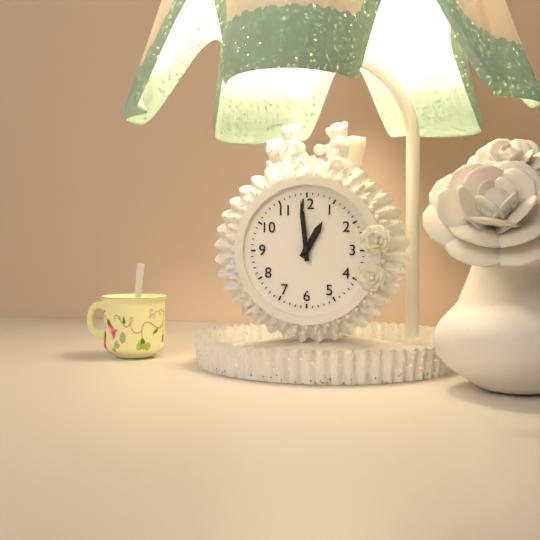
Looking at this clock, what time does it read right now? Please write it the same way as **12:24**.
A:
**12:59**
